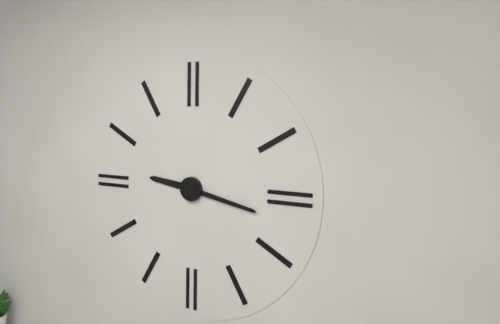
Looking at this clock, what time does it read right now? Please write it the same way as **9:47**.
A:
**9:17**
